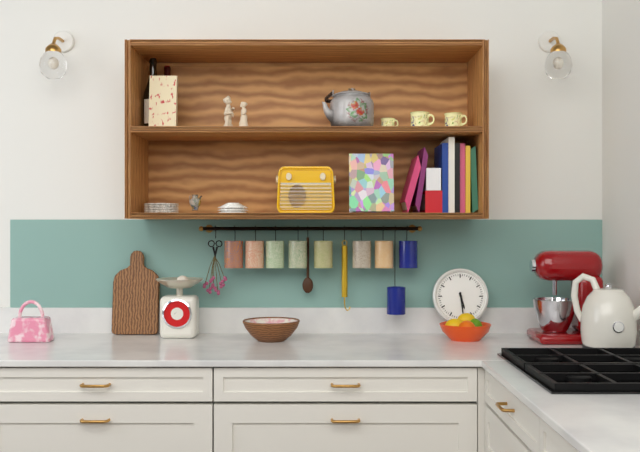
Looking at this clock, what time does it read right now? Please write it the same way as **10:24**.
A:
**5:29**
